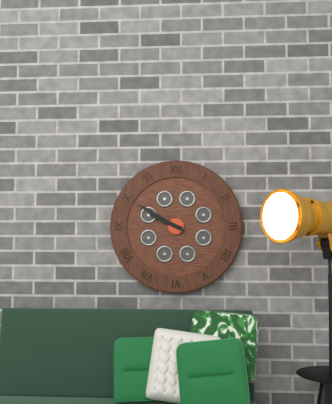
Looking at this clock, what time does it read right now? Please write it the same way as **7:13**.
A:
**9:50**
